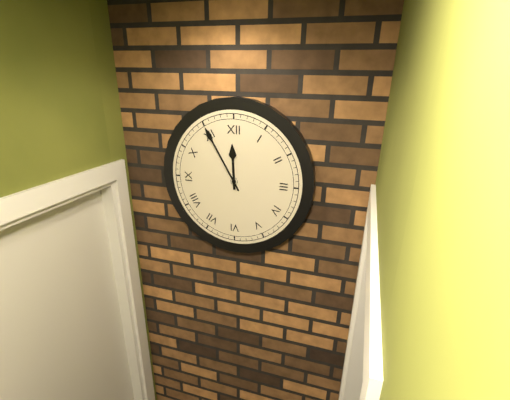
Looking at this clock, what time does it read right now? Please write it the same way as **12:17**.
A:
**11:55**
